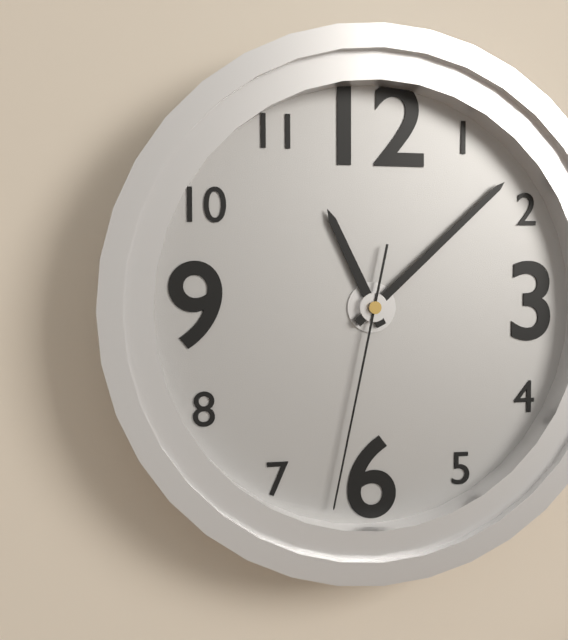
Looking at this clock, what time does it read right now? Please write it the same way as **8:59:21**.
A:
**11:08:32**
